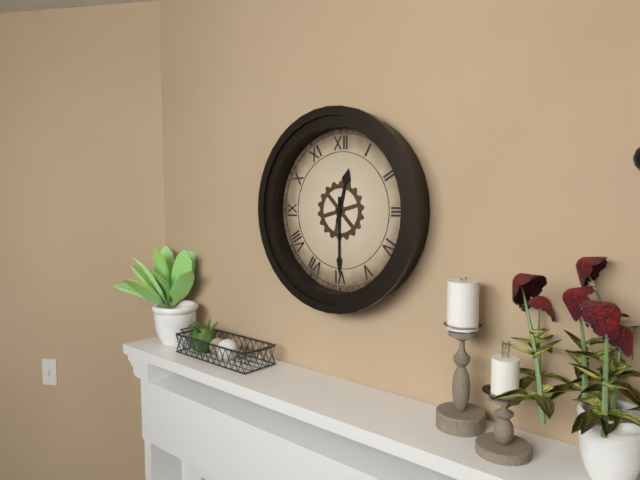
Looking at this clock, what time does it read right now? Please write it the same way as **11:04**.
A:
**12:30**
